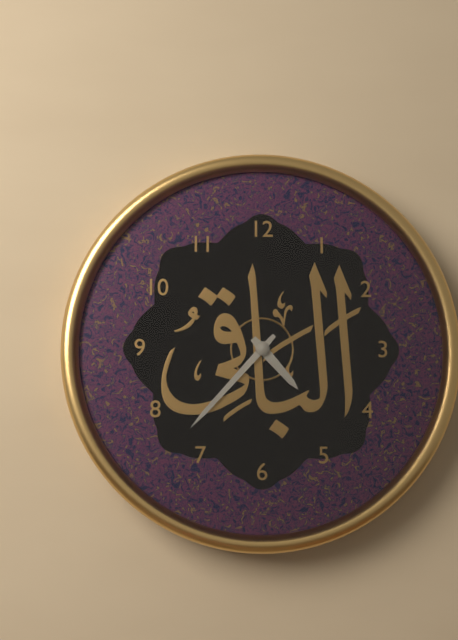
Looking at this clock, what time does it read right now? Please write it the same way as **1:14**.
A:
**4:37**
